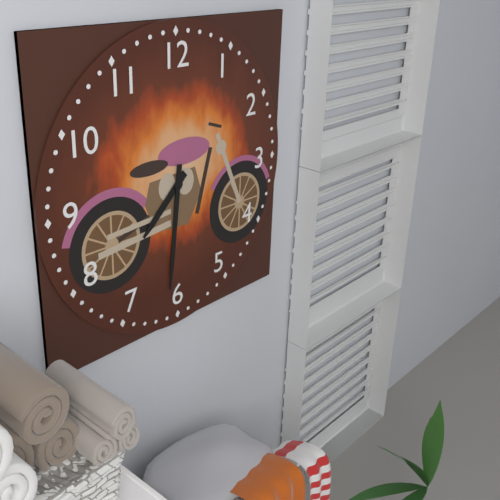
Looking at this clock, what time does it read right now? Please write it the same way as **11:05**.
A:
**7:31**
